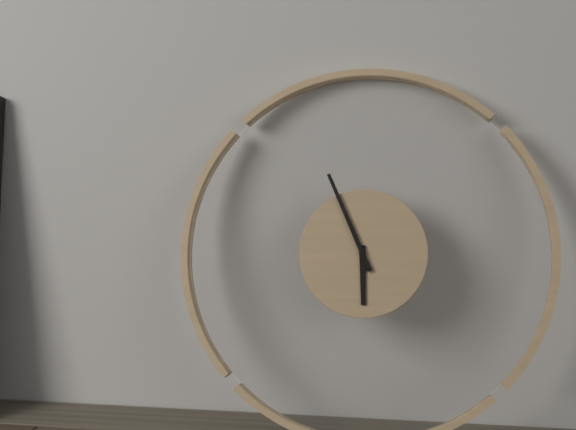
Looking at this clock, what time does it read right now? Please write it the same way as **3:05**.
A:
**5:56**
